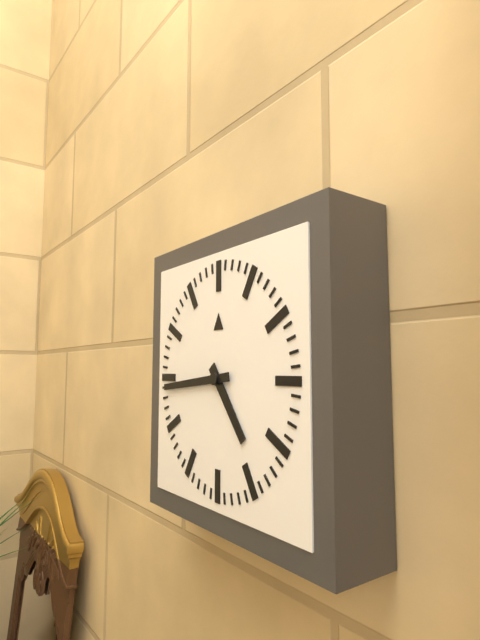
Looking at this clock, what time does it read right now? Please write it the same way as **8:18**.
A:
**4:44**
